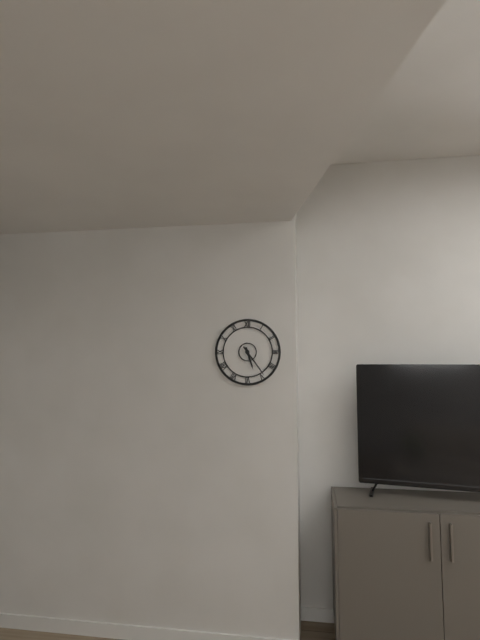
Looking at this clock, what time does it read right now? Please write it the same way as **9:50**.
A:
**5:24**
